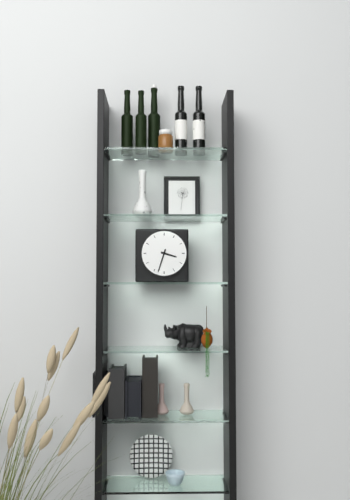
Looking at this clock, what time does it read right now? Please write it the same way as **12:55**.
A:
**3:33**
